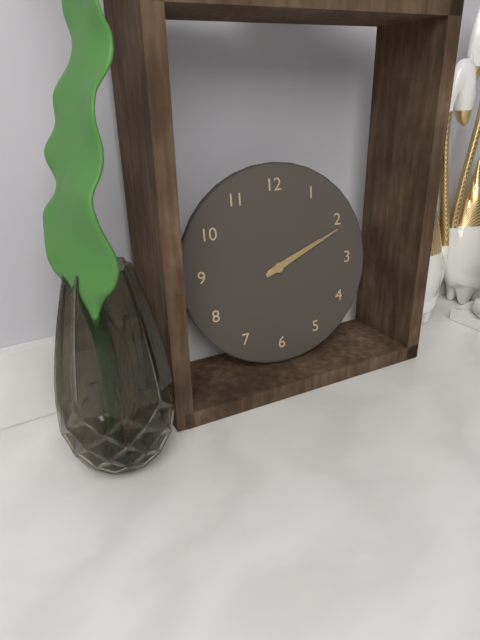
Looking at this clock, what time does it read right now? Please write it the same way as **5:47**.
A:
**2:11**
